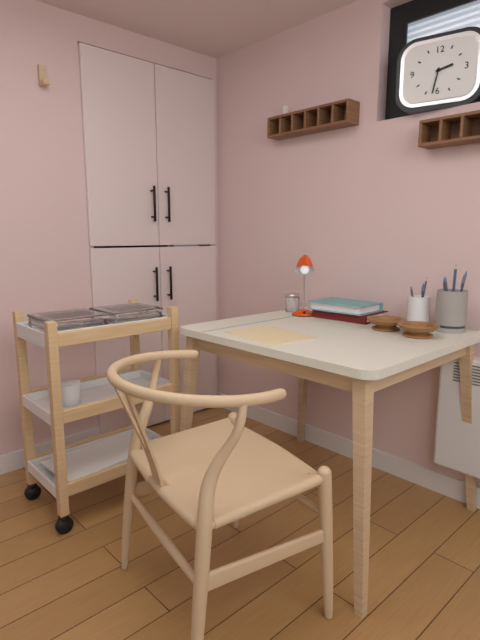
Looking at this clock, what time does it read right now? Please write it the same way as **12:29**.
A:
**2:32**
